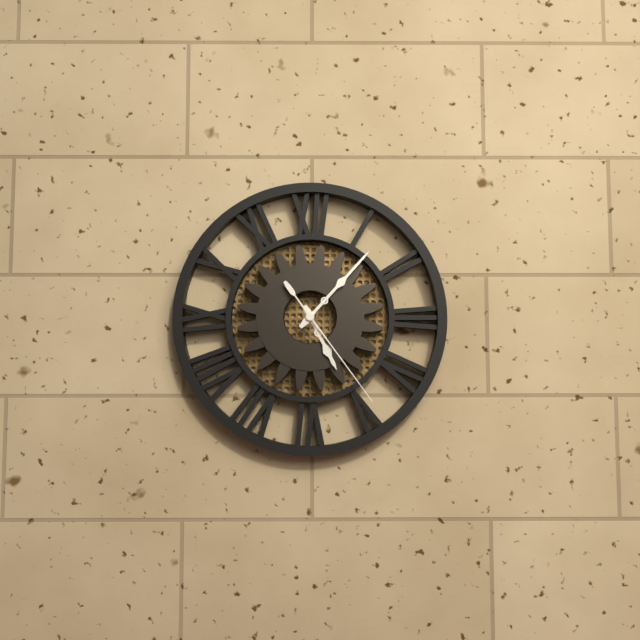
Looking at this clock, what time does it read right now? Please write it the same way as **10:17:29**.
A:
**5:07:24**
